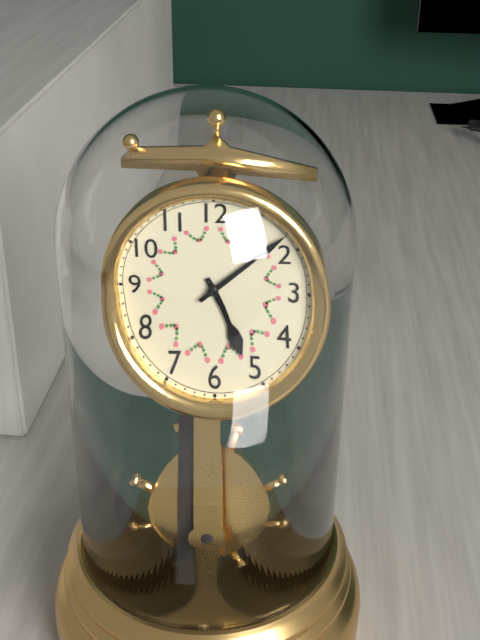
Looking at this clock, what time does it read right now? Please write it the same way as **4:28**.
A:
**5:08**
